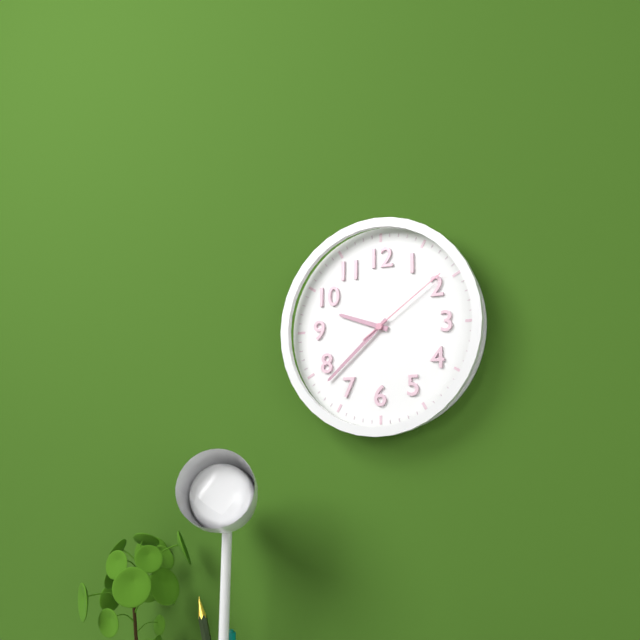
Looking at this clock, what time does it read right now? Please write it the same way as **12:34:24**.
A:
**9:38:09**
